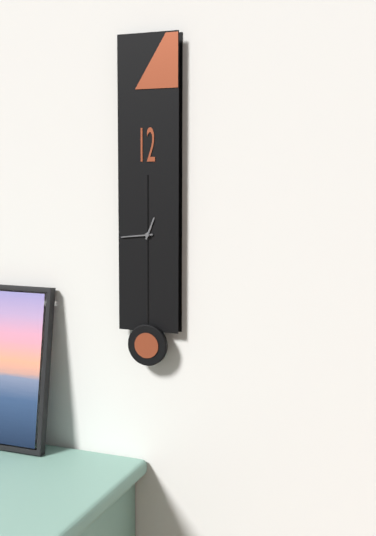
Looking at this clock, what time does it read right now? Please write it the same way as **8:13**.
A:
**12:44**
